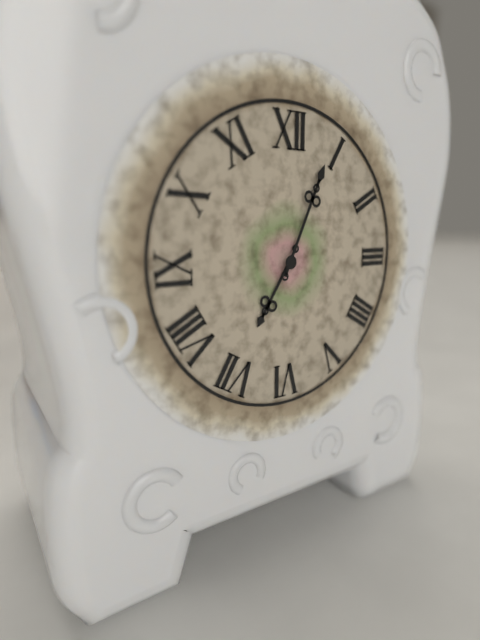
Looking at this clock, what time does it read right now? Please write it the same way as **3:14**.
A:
**7:04**
